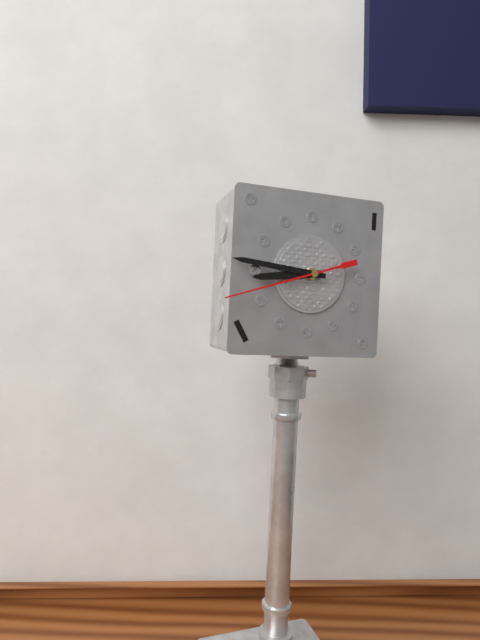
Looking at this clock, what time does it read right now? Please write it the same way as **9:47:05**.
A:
**8:46:42**
